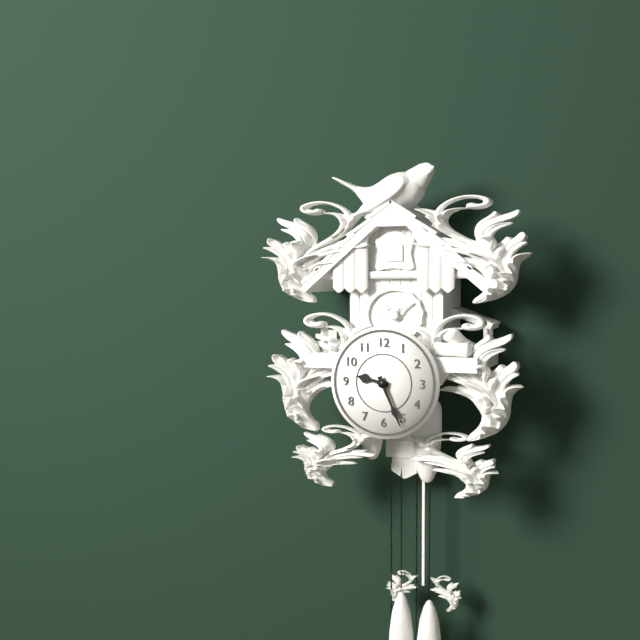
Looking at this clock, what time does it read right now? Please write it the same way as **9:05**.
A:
**9:26**
